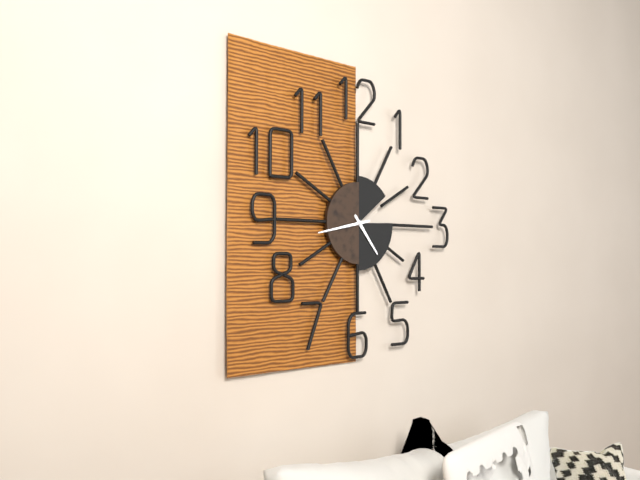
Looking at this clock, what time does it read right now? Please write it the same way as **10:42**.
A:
**4:43**
